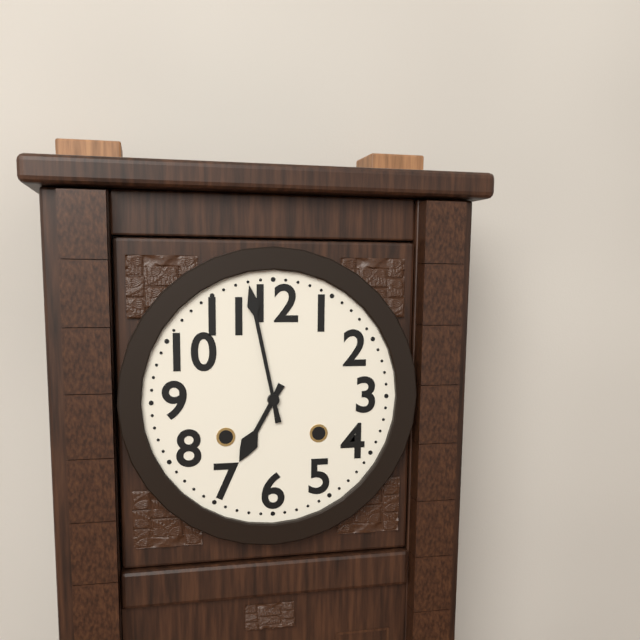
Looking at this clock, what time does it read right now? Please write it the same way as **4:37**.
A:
**6:58**
